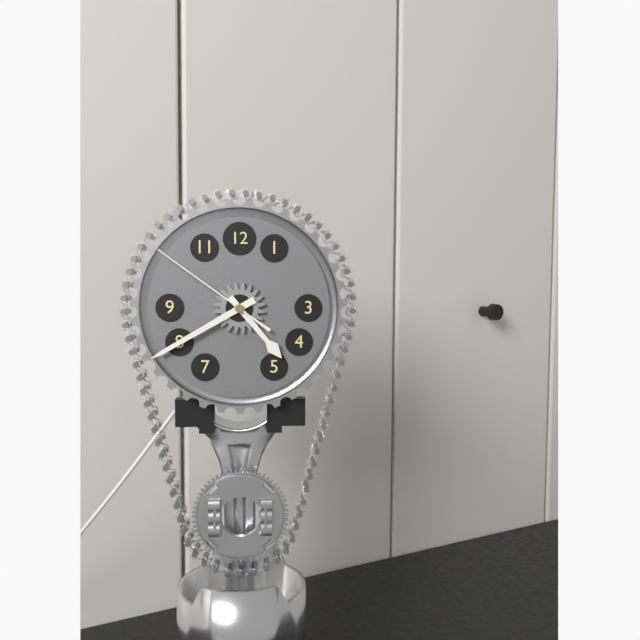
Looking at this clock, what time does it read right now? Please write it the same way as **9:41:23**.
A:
**4:40:51**
